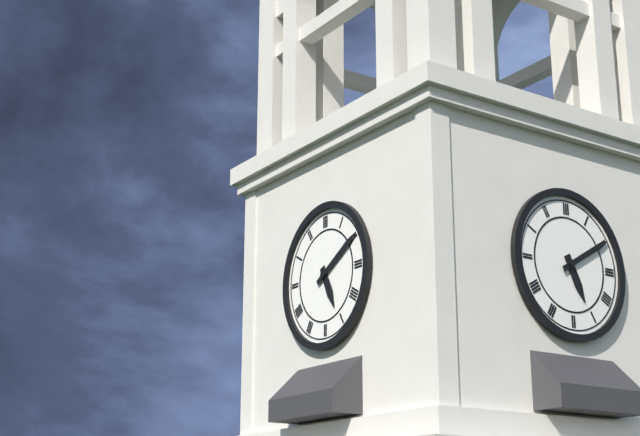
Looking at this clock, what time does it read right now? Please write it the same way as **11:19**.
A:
**5:10**
